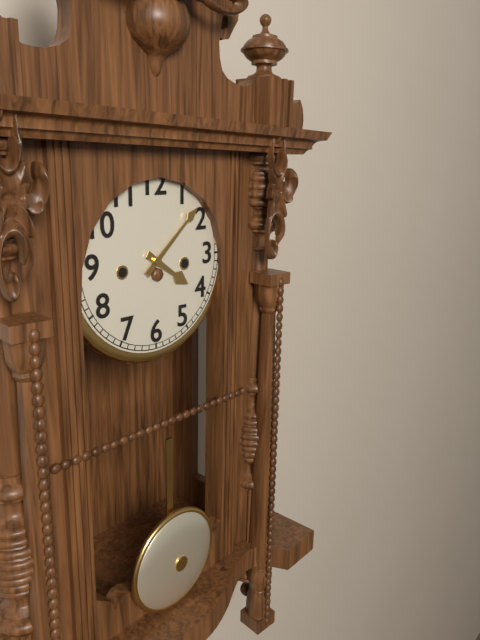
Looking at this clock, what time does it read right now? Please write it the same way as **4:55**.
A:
**4:08**
